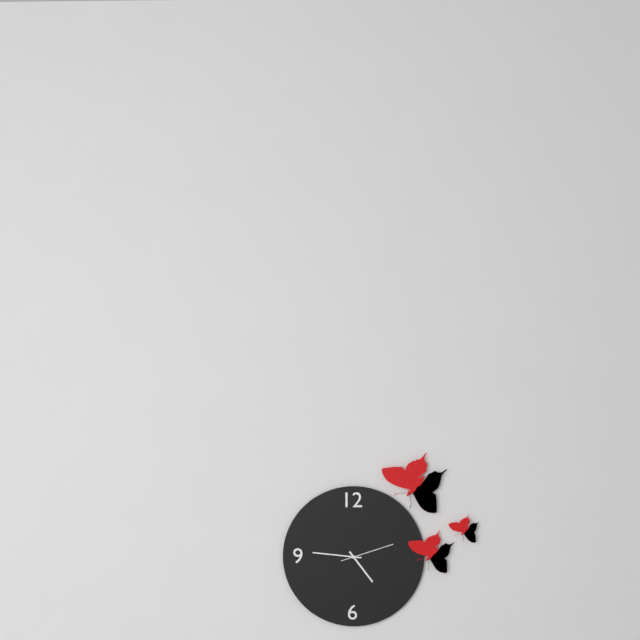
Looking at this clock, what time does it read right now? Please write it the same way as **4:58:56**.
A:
**4:46:12**
